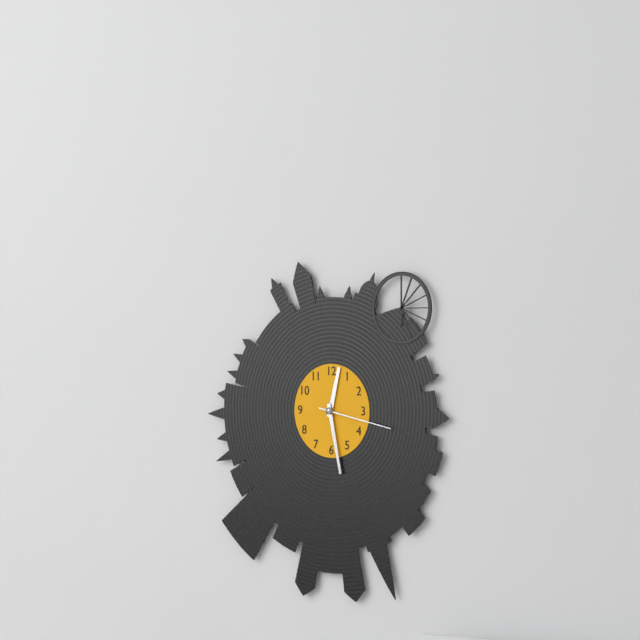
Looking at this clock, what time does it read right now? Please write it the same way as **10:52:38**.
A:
**12:28:17**
